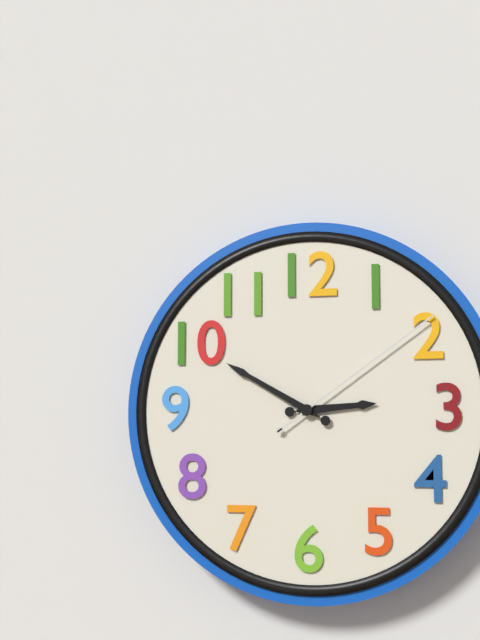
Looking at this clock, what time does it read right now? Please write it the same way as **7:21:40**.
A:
**2:50:09**
